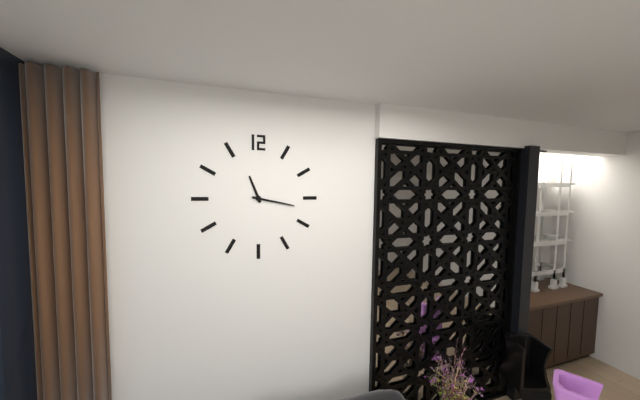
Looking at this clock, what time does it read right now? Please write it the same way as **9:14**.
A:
**11:17**
